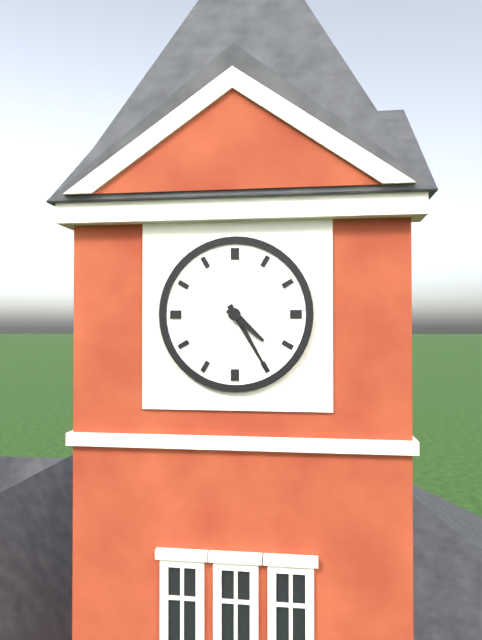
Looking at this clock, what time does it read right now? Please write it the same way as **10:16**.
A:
**4:25**
